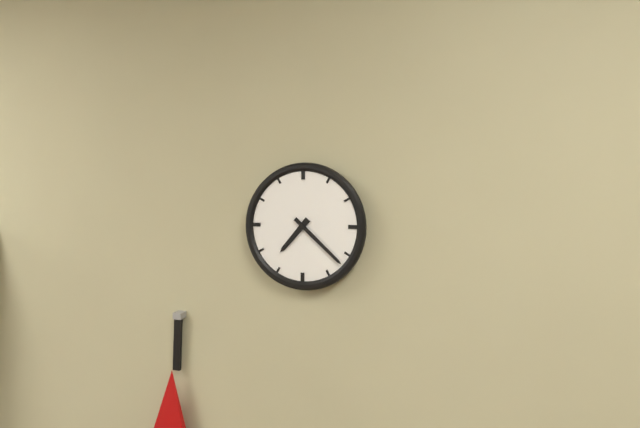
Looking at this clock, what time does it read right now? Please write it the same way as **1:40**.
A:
**7:22**
